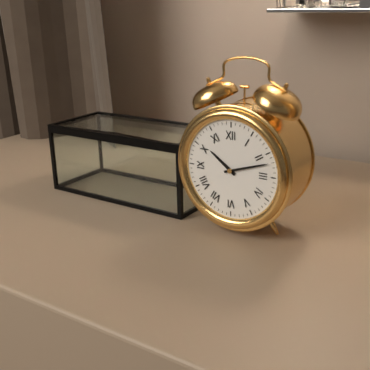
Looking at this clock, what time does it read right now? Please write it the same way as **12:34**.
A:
**10:12**
